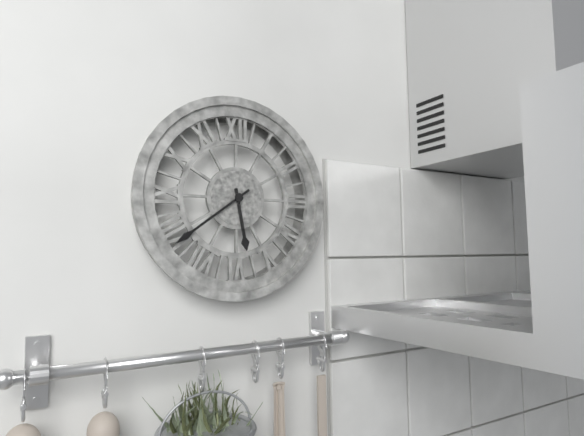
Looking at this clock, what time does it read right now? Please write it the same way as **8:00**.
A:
**5:39**
